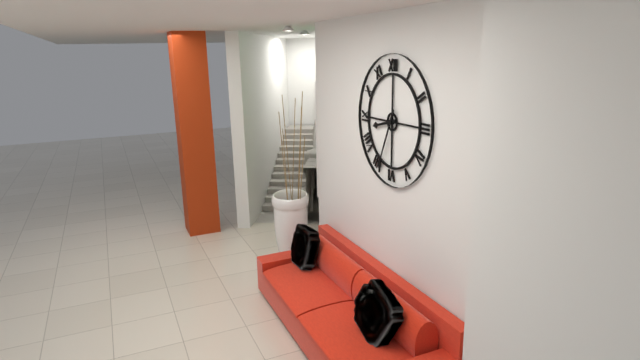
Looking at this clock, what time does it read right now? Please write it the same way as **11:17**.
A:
**8:34**
